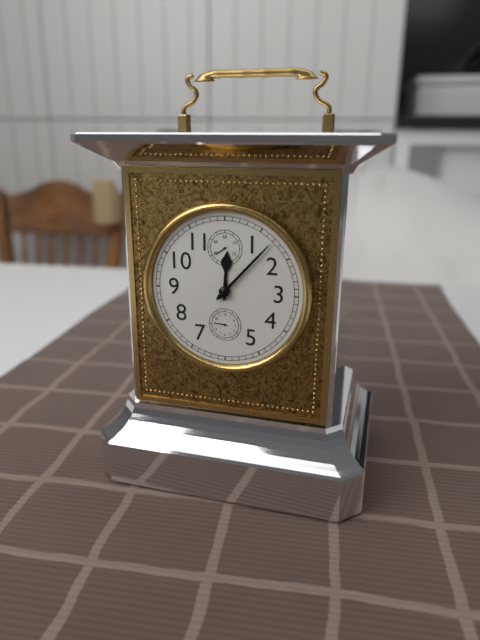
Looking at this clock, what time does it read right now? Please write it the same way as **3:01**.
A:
**12:07**
